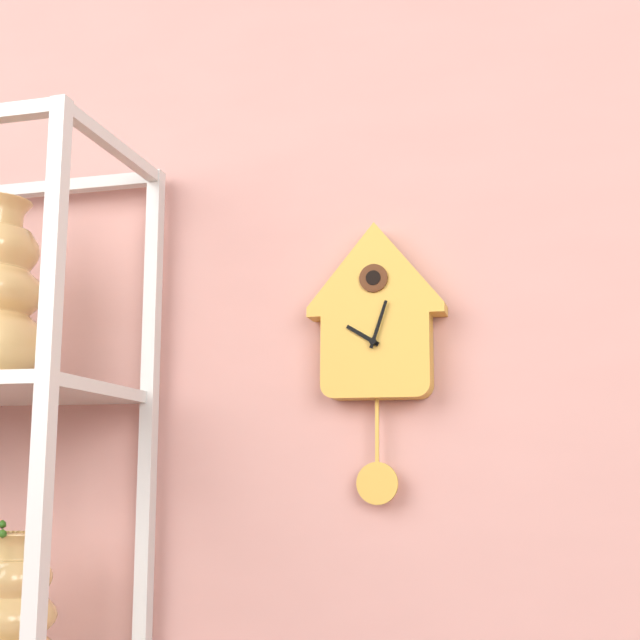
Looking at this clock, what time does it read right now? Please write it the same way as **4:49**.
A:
**10:03**
